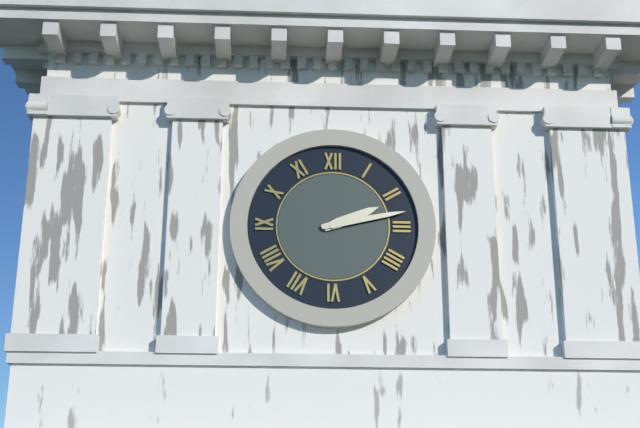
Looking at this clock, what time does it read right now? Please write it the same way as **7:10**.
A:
**2:13**
